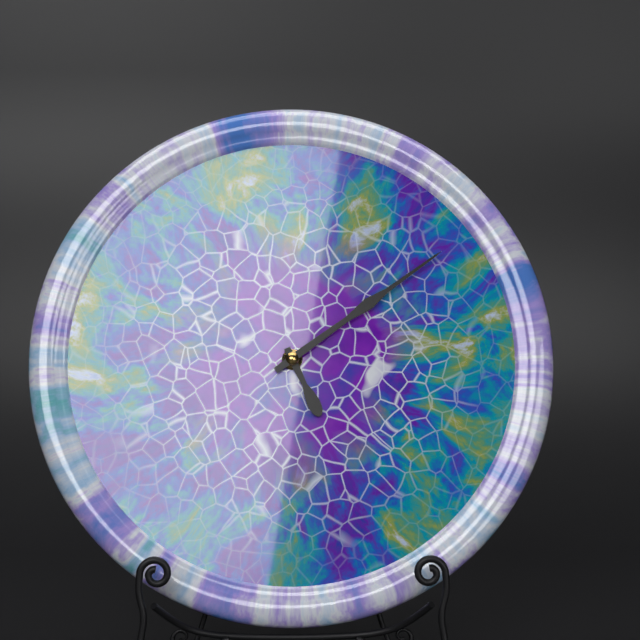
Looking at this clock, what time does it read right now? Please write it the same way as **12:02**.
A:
**5:09**
